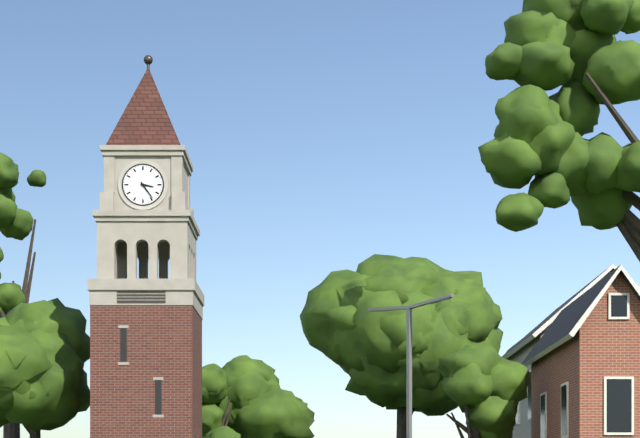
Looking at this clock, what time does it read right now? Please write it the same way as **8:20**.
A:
**3:24**
